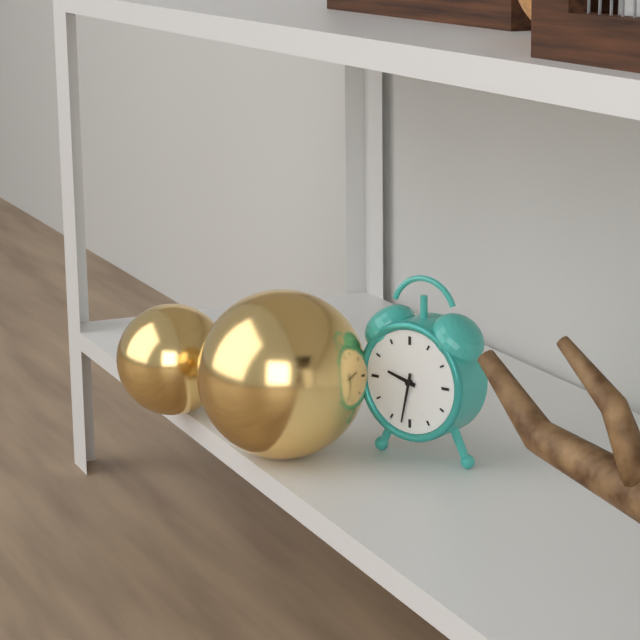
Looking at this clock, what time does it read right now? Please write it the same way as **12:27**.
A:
**9:32**
